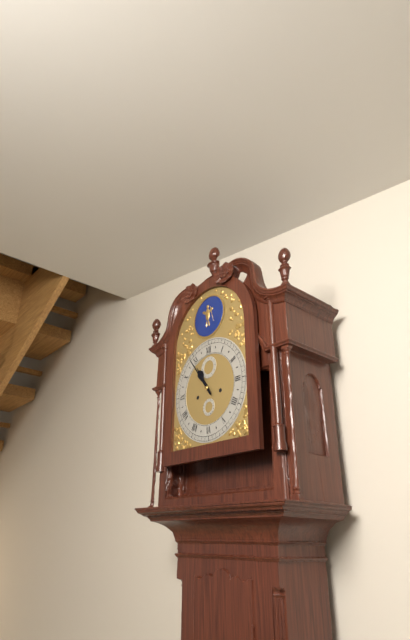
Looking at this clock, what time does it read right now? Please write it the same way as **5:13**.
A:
**10:54**
